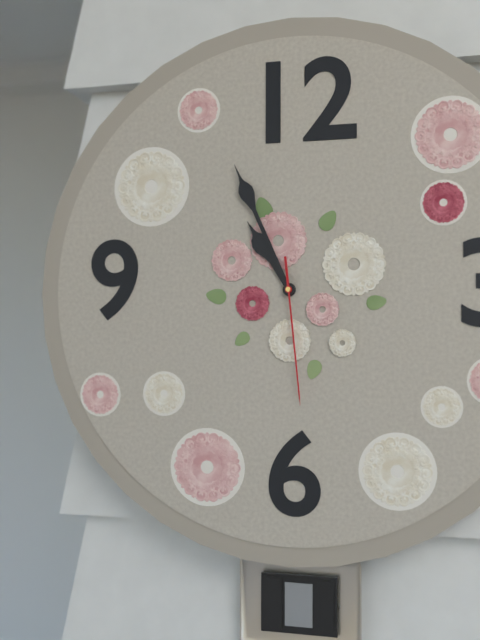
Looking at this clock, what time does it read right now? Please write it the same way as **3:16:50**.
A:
**10:56:29**
